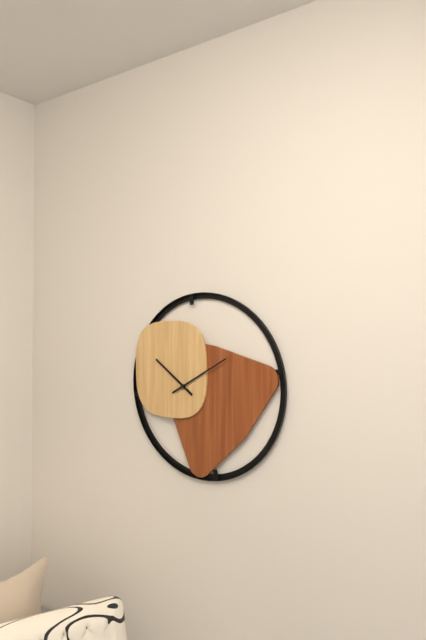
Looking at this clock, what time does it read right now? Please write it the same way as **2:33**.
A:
**10:10**
